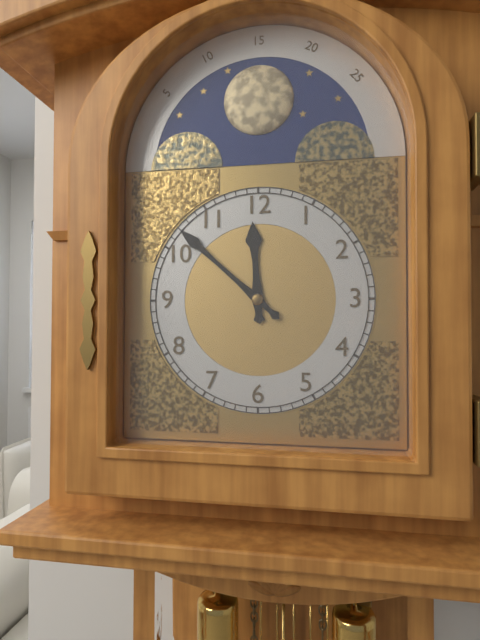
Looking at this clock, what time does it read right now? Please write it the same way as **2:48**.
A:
**11:52**
